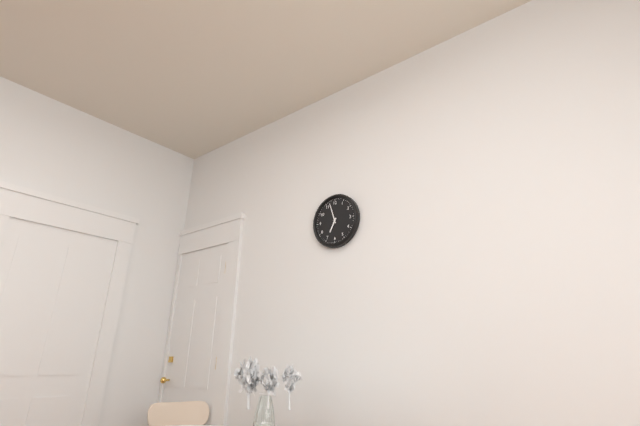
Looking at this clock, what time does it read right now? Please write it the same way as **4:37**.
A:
**6:57**
